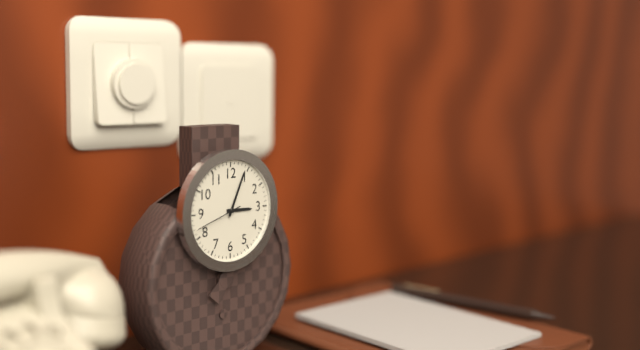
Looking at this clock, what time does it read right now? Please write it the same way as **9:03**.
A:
**3:04**
